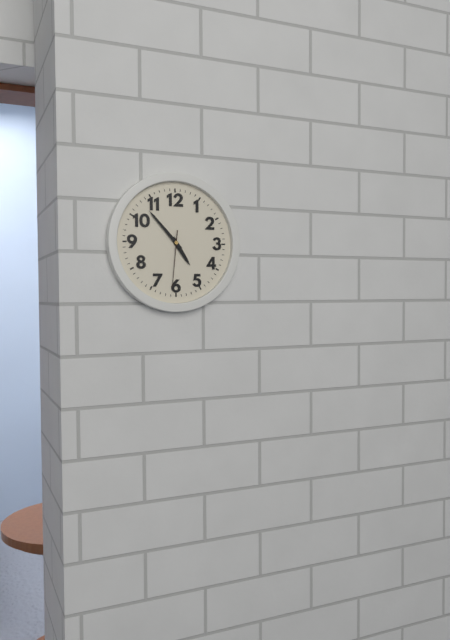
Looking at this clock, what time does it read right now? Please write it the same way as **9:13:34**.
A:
**4:53:31**
